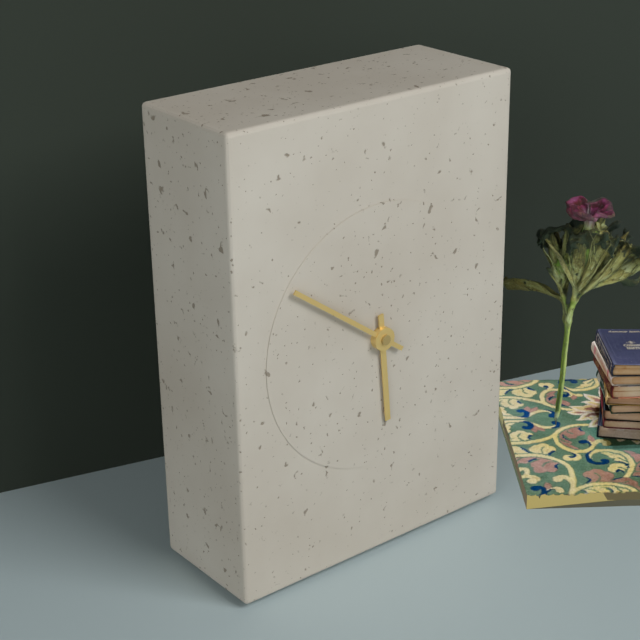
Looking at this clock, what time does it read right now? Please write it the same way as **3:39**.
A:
**5:51**
